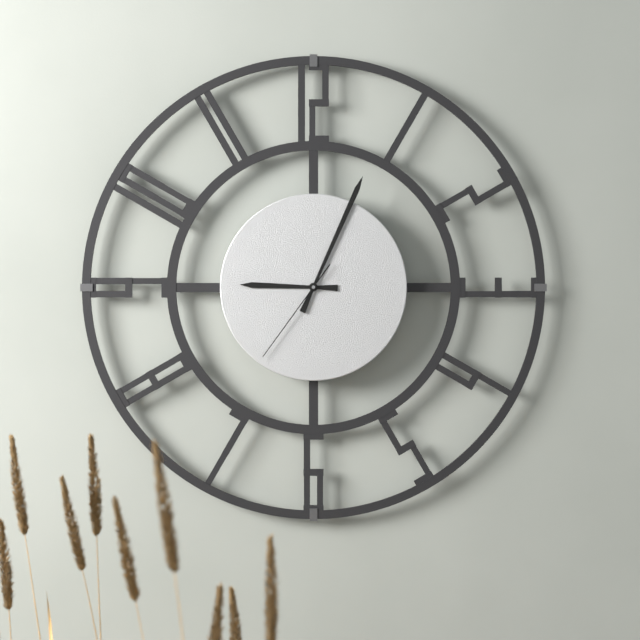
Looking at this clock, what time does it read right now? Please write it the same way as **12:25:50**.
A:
**9:04:36**
